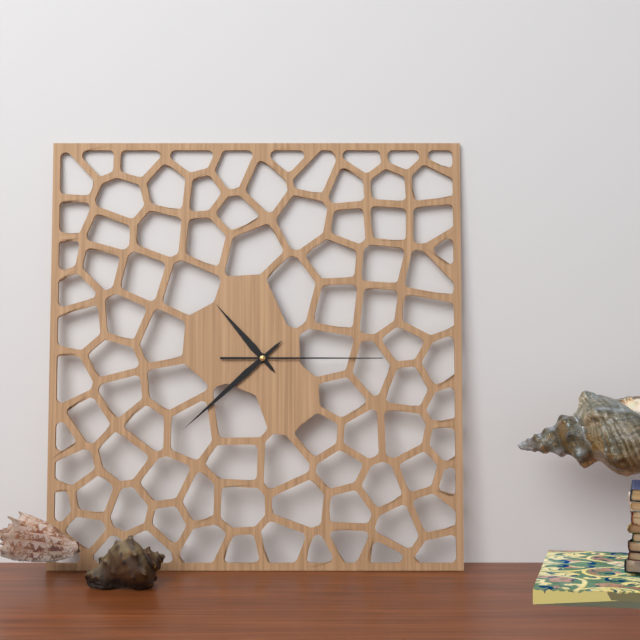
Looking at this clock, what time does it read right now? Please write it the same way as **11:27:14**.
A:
**10:38:15**
